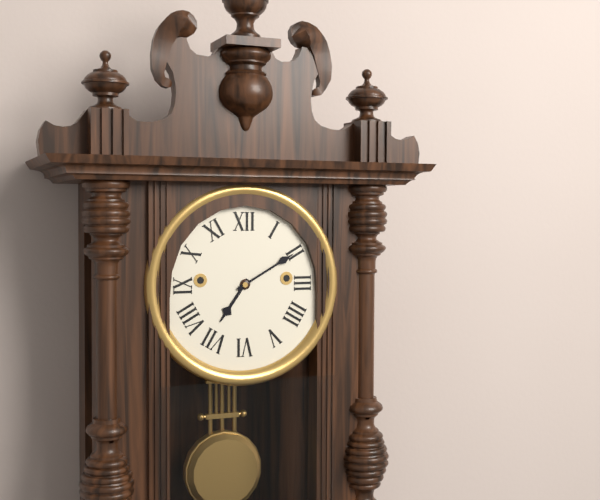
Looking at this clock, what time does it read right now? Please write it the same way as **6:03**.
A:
**7:10**
